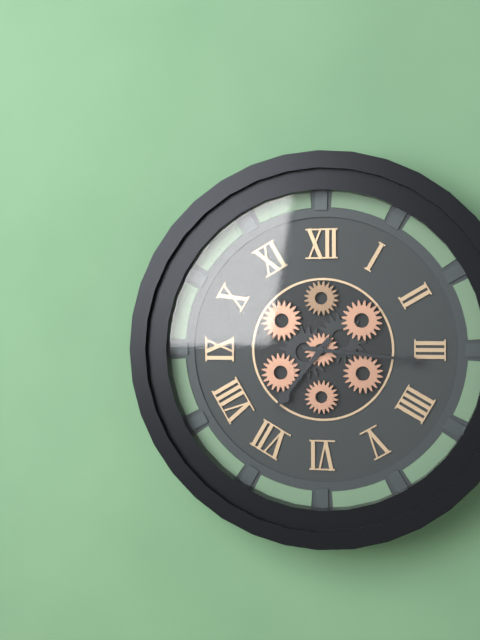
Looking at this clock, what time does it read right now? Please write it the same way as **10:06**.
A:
**7:16**
